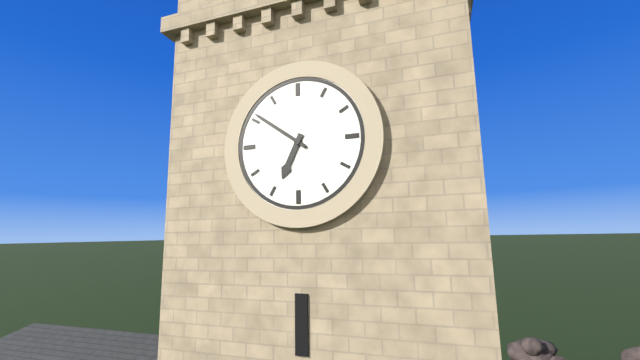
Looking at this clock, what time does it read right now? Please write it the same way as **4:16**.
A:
**6:51**
